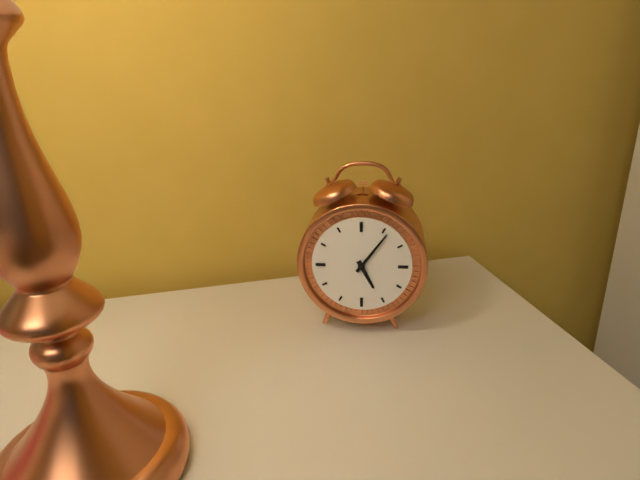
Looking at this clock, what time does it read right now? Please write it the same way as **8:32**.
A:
**5:06**
